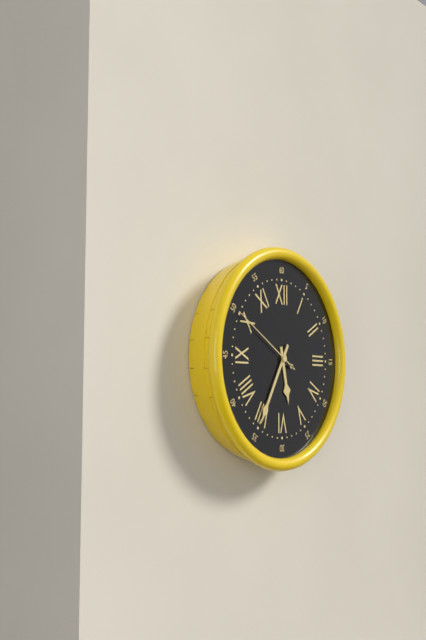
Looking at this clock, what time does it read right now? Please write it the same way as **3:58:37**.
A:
**5:35:50**
